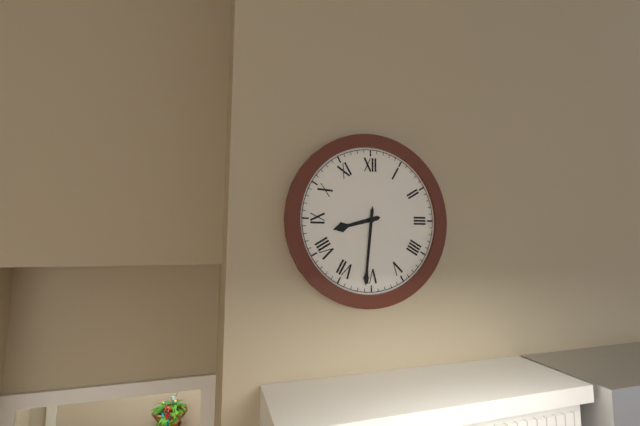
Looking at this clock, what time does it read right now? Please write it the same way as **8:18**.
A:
**8:31**
